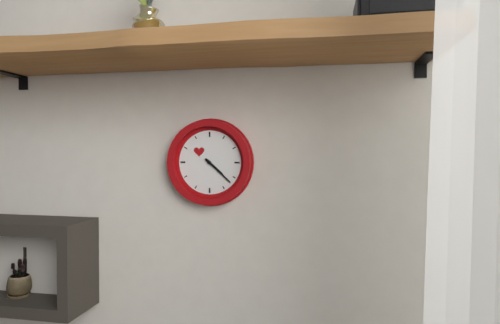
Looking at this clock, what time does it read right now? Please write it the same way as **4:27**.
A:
**4:22**
